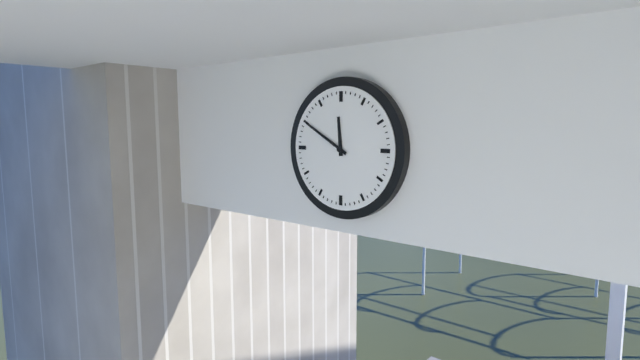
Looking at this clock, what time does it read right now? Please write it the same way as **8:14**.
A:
**11:50**
